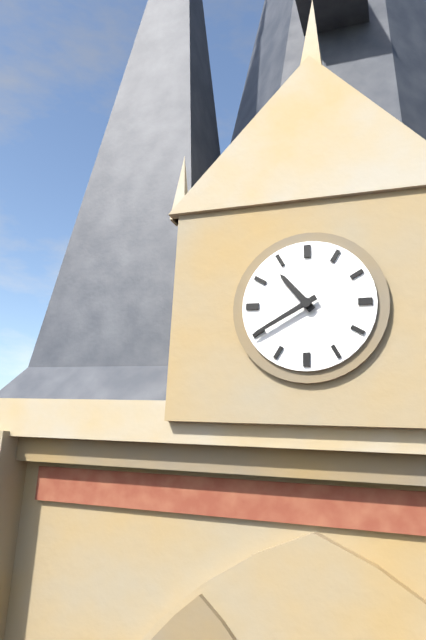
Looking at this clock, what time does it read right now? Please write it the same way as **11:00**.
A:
**10:40**
